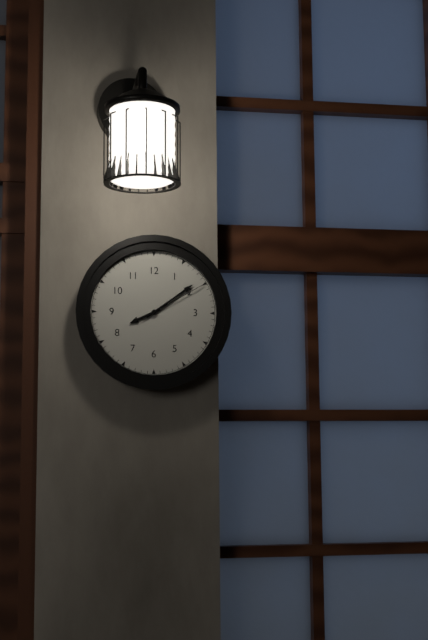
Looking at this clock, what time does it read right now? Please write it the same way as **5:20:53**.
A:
**8:09:10**
